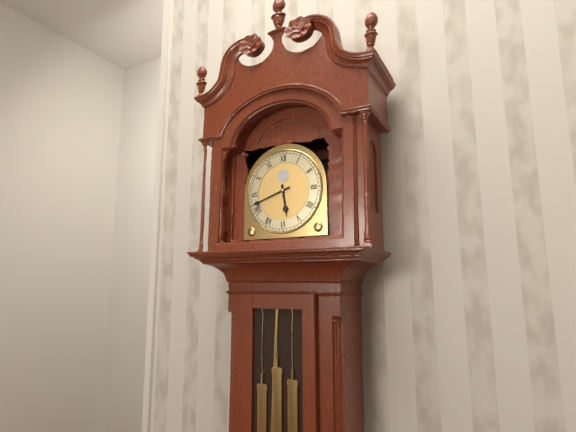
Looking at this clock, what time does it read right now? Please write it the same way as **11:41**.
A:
**5:42**
